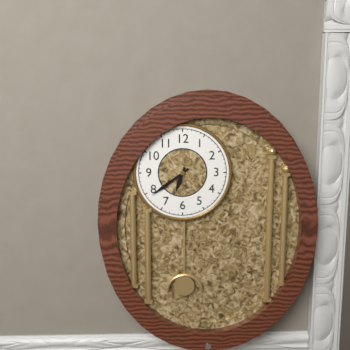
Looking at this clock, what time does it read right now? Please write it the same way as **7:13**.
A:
**6:39**
